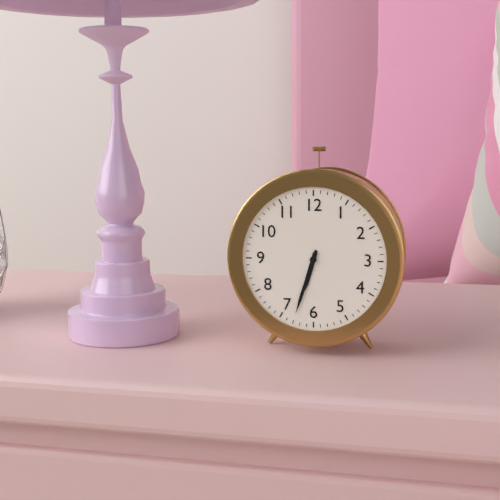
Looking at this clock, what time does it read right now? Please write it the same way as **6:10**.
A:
**6:33**
